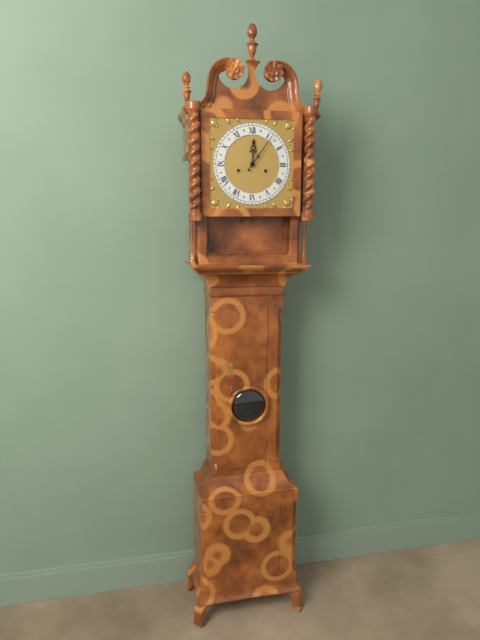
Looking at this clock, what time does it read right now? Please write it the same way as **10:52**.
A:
**12:06**
